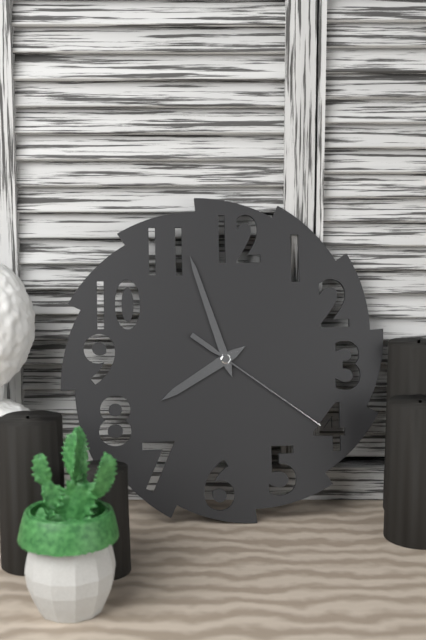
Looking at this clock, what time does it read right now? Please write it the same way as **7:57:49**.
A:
**7:57:21**
